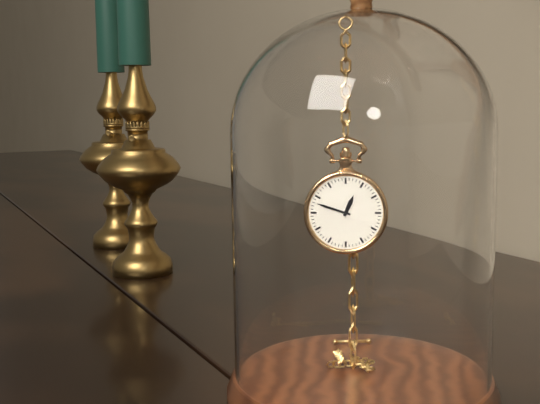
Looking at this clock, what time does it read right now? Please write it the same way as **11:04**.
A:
**12:48**
